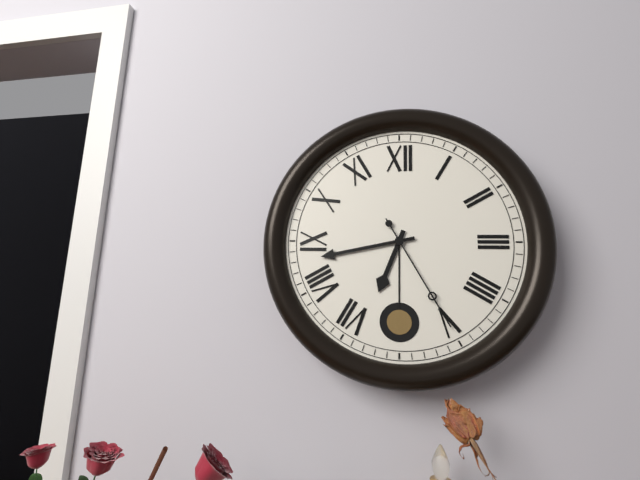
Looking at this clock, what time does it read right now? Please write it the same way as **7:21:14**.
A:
**6:43:25**
